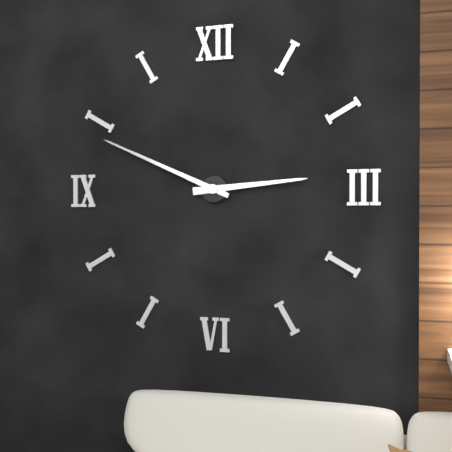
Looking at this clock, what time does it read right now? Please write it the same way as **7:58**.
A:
**2:49**
